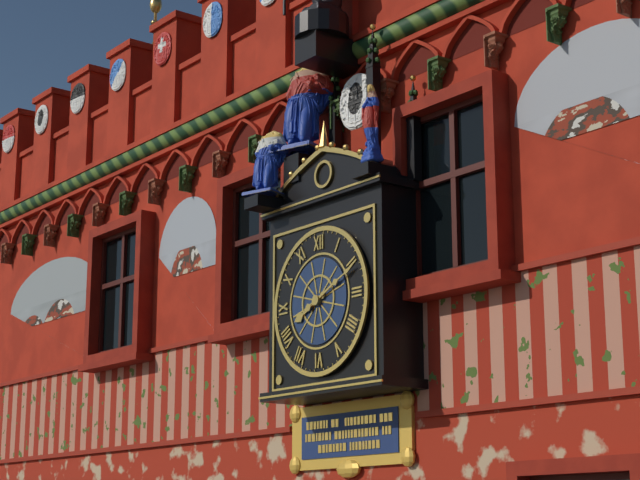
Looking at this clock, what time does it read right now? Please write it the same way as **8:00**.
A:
**8:11**
